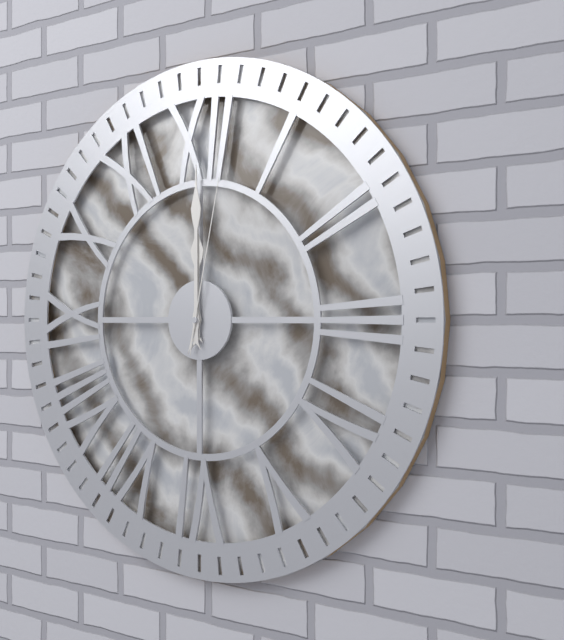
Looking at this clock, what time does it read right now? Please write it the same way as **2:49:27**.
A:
**12:00:02**
